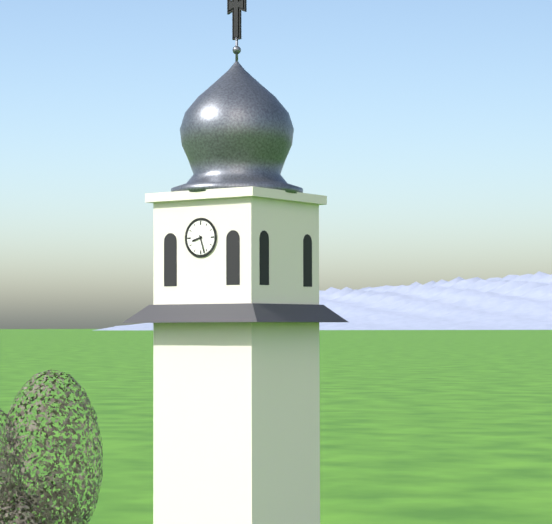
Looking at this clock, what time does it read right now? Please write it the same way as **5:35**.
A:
**8:27**
